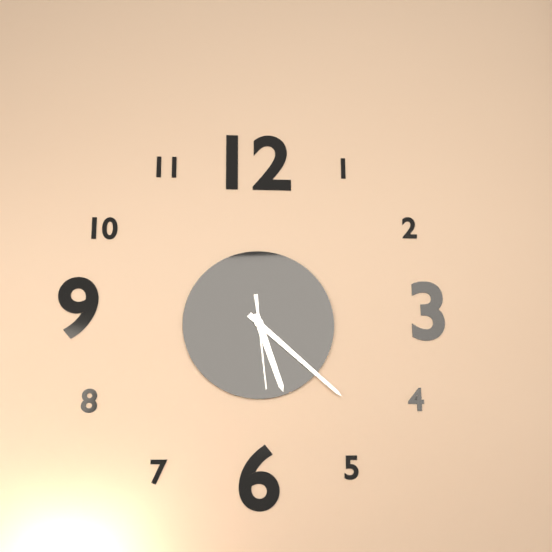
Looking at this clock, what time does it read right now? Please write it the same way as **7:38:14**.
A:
**5:22:29**
